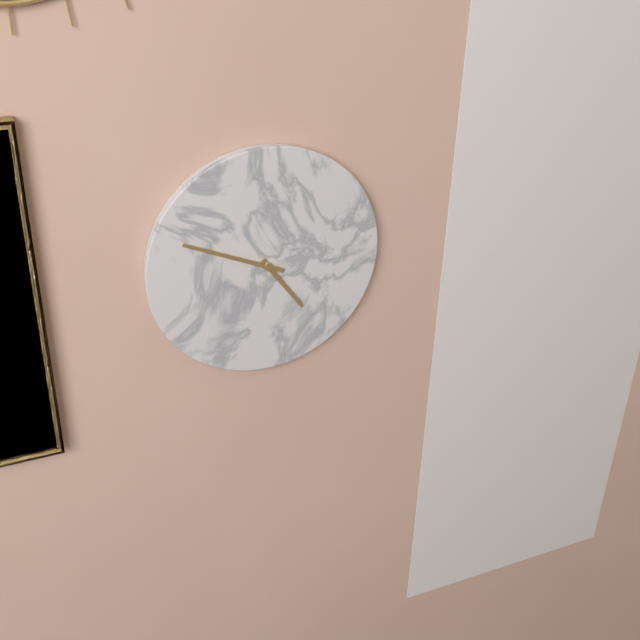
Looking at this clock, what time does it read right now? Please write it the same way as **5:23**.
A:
**4:49**
